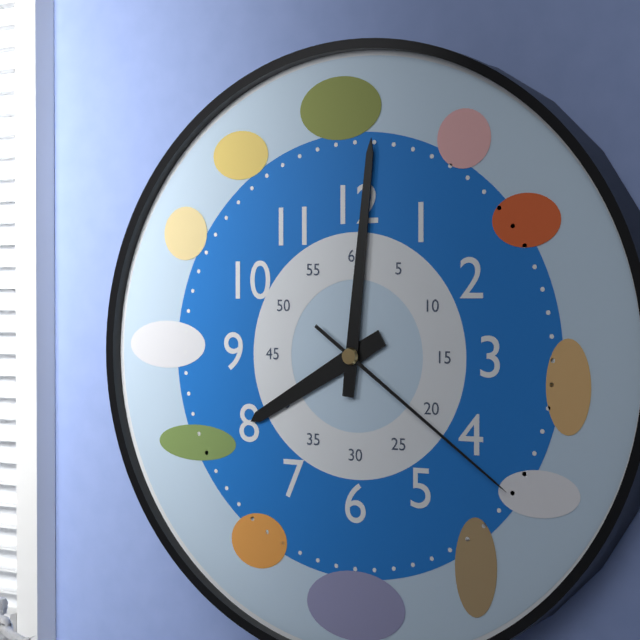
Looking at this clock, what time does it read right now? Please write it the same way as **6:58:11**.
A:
**8:01:21**
